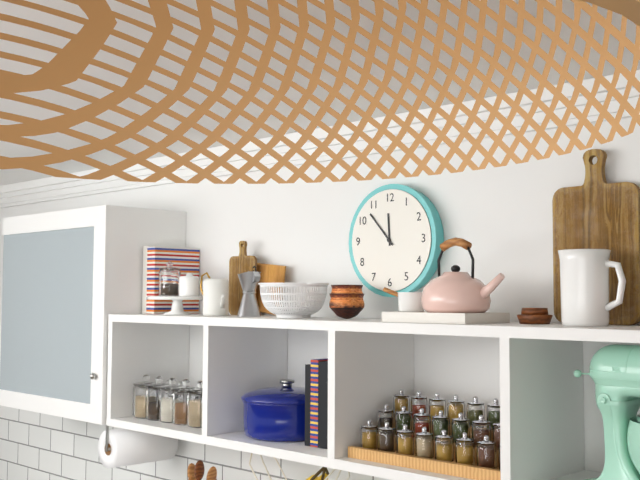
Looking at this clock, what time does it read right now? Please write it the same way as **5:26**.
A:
**11:53**
